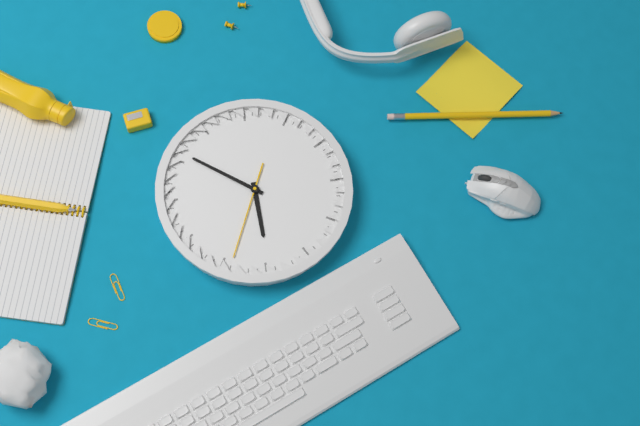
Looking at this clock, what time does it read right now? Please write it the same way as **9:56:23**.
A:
**6:56:39**
